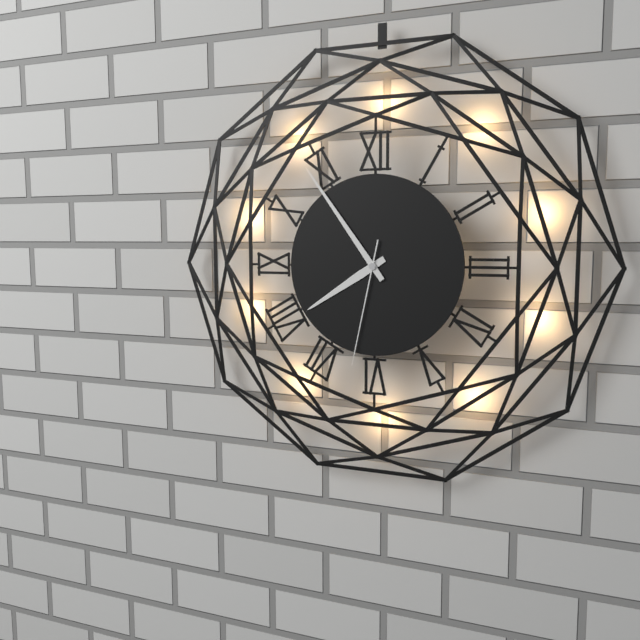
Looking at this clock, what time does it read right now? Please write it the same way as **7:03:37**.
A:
**7:54:32**
